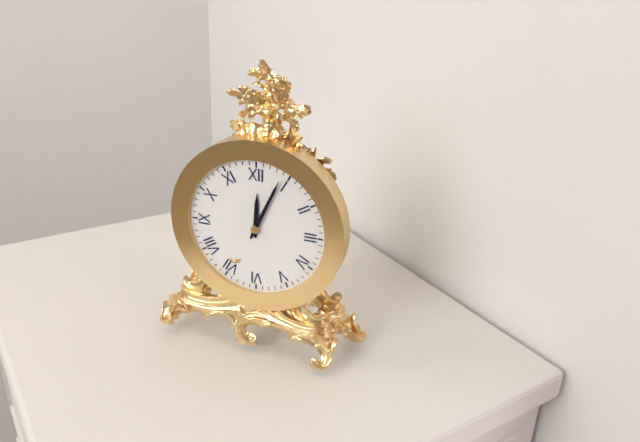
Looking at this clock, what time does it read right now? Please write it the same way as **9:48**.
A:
**12:04**
